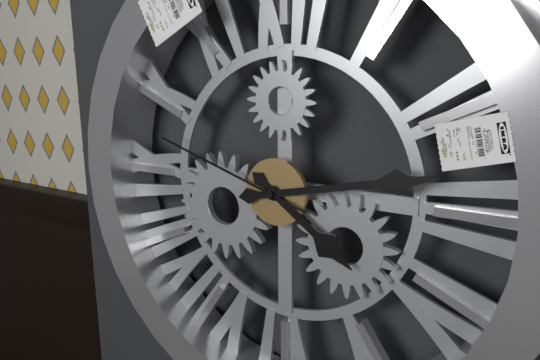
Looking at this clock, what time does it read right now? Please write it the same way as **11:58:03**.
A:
**4:13:48**
